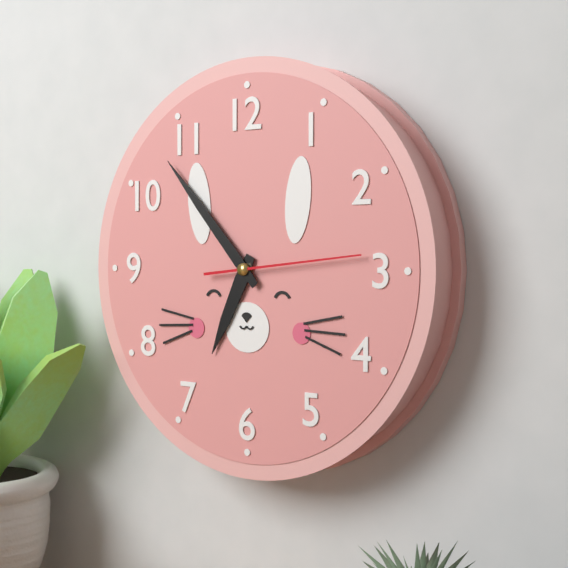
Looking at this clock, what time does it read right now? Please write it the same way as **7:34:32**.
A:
**6:53:14**
